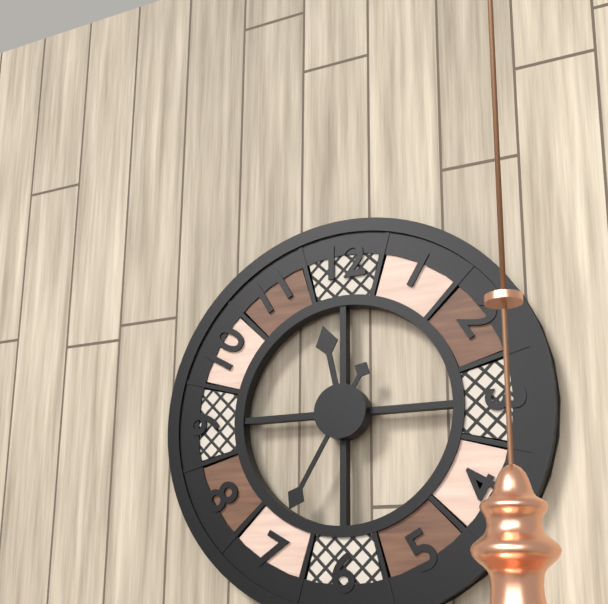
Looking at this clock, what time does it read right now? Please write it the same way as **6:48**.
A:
**11:35**
